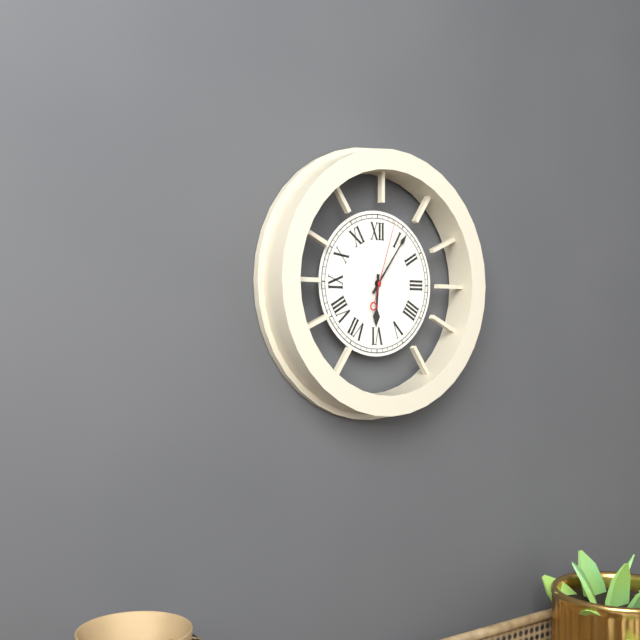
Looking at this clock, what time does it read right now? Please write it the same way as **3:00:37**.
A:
**6:06:03**
